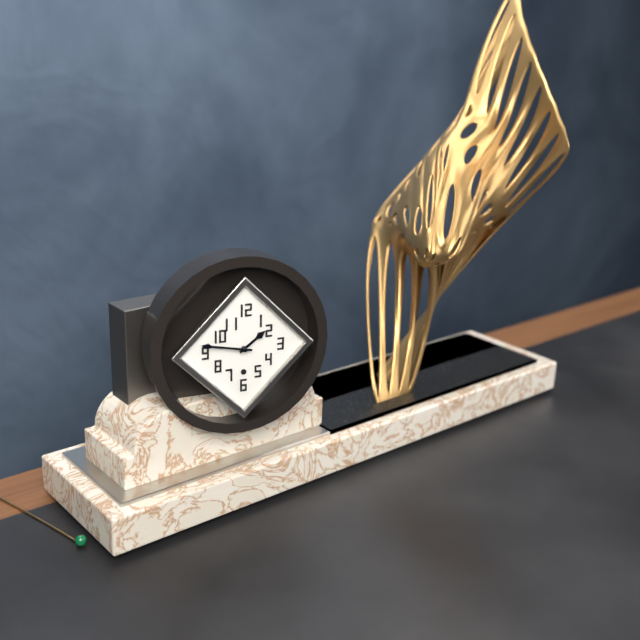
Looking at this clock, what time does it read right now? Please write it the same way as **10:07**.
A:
**1:47**
